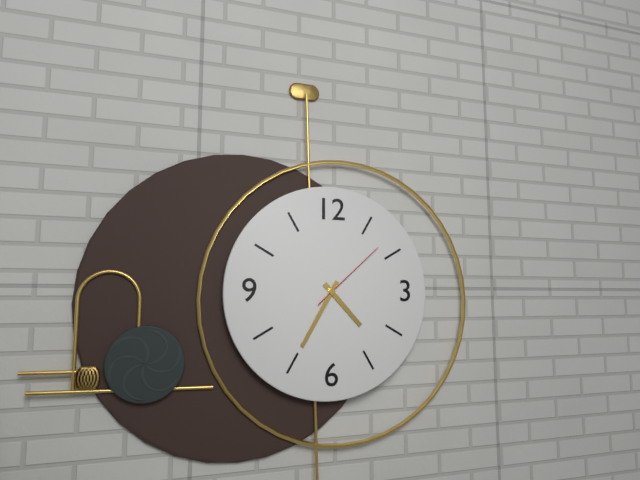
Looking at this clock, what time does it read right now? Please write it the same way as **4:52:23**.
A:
**4:35:08**
